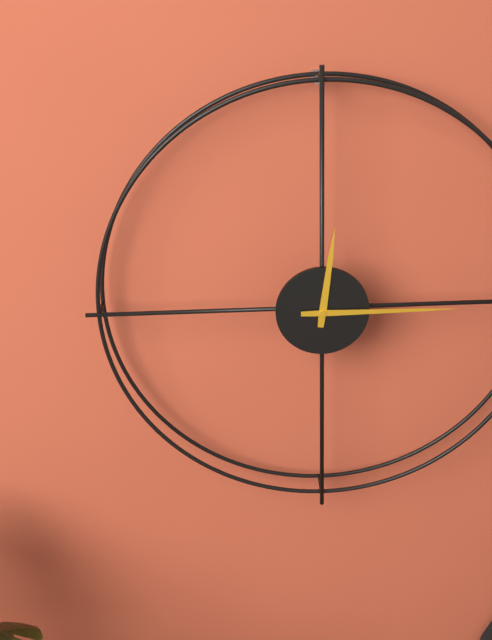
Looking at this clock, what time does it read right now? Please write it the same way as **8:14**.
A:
**12:15**
